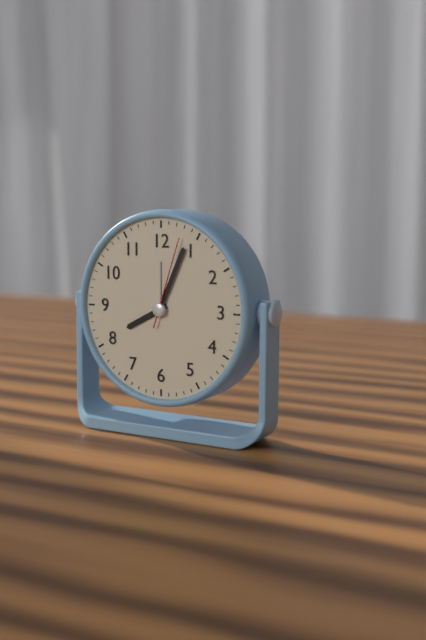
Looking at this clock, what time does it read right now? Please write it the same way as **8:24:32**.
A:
**8:04:03**
